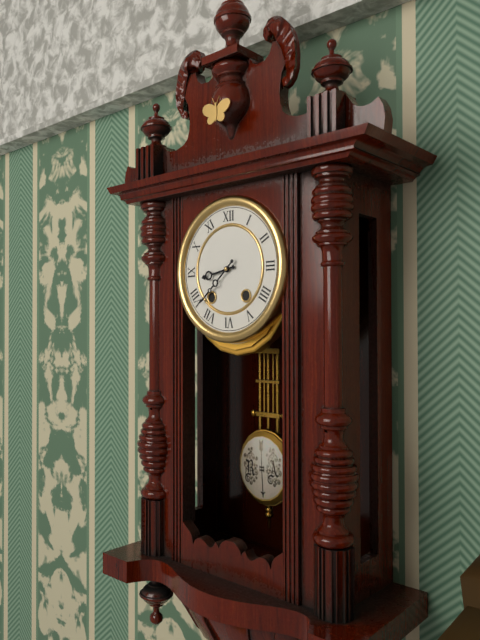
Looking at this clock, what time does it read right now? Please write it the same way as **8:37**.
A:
**8:38**
